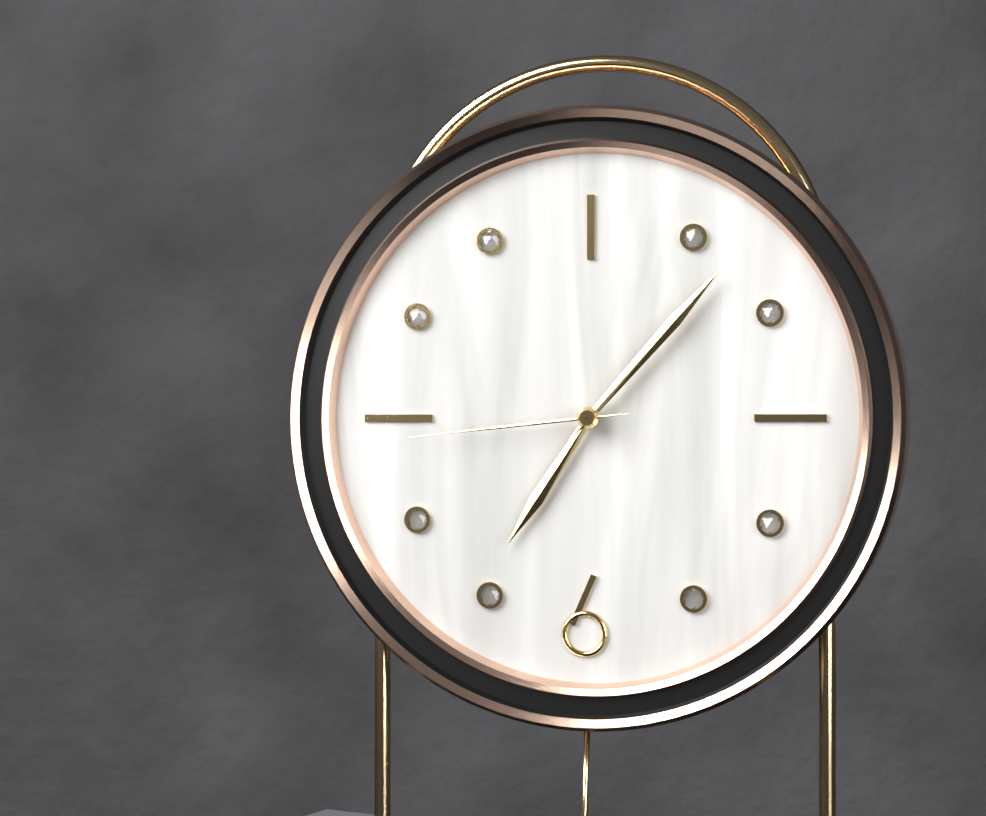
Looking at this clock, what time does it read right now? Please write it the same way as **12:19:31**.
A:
**7:07:44**
